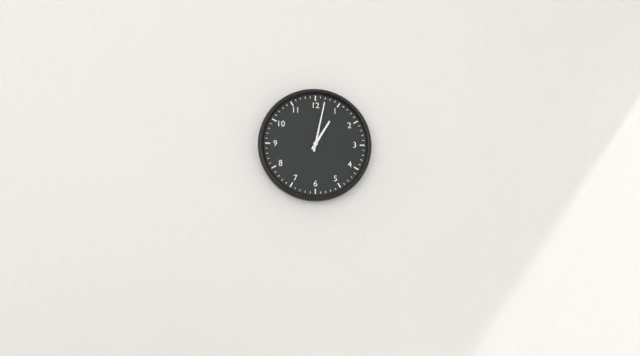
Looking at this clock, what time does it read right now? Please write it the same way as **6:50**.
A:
**1:02**
